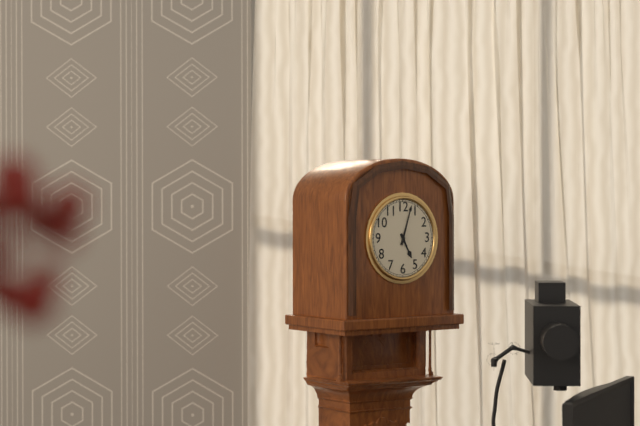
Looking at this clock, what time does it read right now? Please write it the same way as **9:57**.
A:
**5:03**
